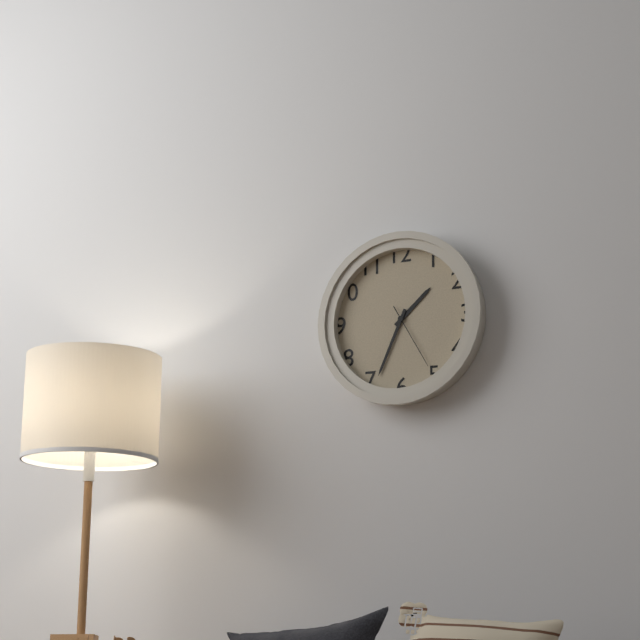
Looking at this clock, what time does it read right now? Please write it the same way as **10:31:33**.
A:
**1:34:25**
